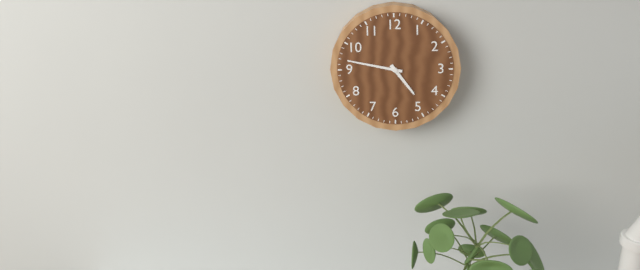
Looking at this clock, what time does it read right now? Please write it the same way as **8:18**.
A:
**4:47**
